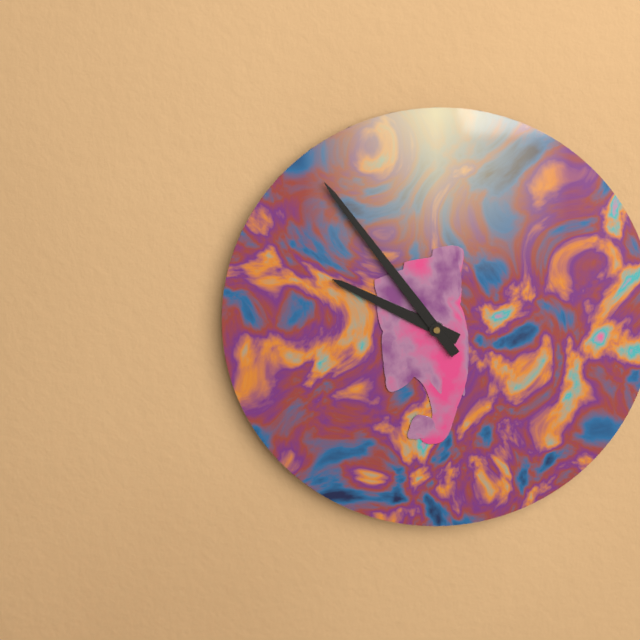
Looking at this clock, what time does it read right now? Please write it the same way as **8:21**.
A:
**9:54**
